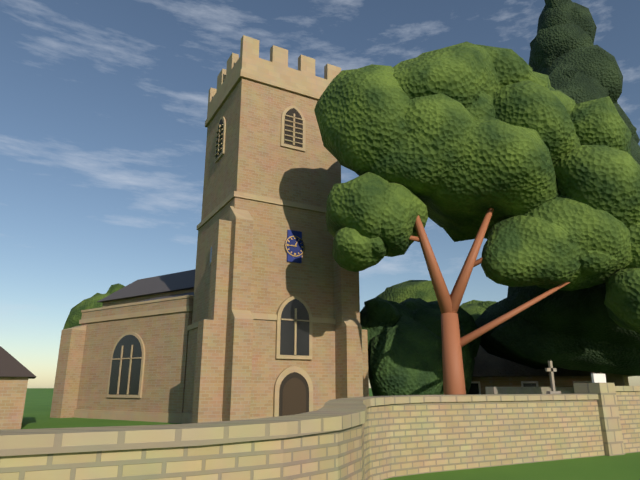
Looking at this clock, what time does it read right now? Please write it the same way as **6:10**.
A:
**12:45**
